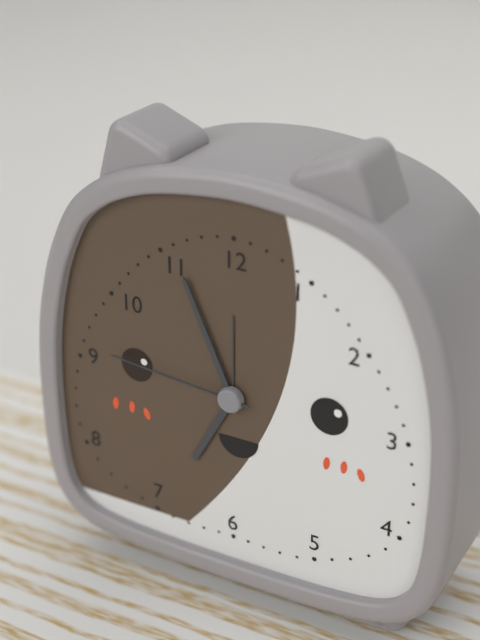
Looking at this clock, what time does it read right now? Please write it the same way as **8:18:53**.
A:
**6:56:46**
